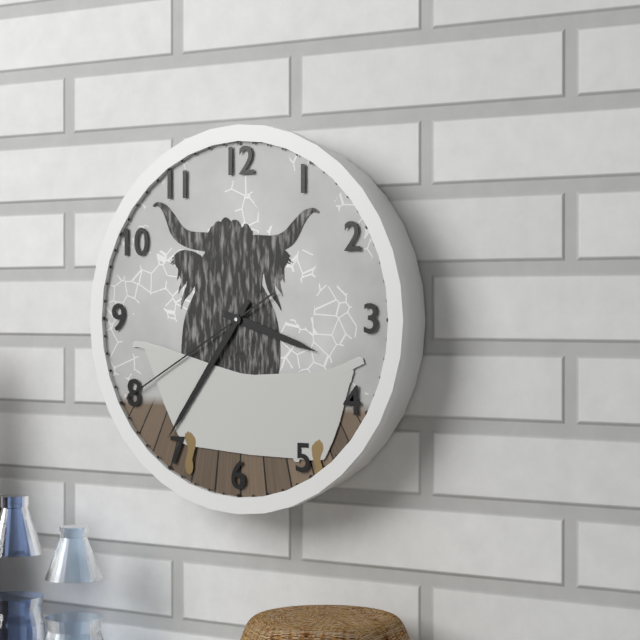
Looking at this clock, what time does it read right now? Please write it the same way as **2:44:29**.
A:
**3:36:40**
